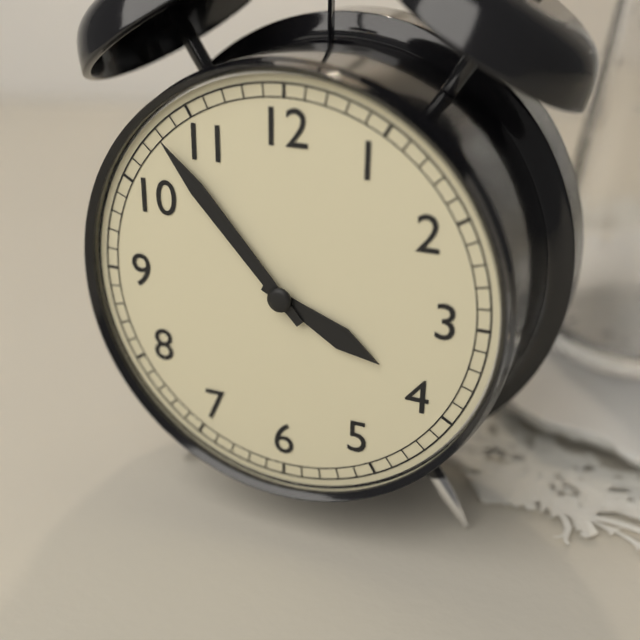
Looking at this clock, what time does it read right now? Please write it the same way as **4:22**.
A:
**3:53**
